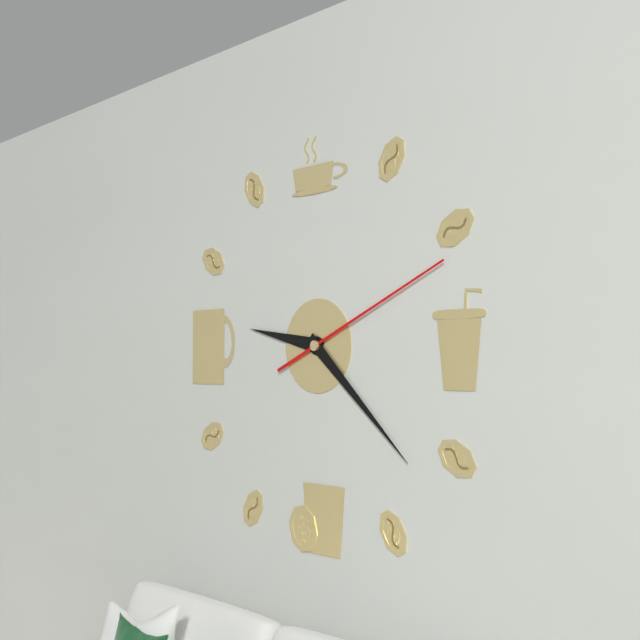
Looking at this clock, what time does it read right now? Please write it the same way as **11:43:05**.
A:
**9:22:11**
